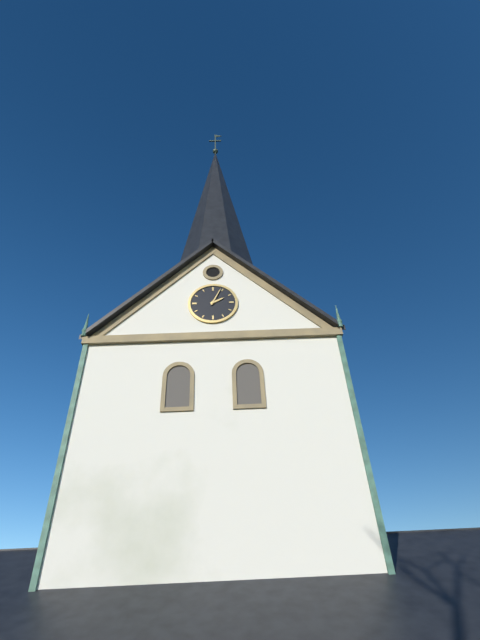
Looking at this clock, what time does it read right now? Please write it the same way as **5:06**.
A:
**2:04**
